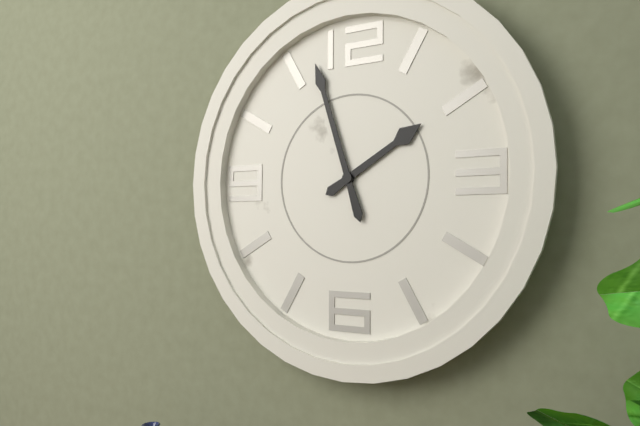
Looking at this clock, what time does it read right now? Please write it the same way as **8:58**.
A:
**1:57**
